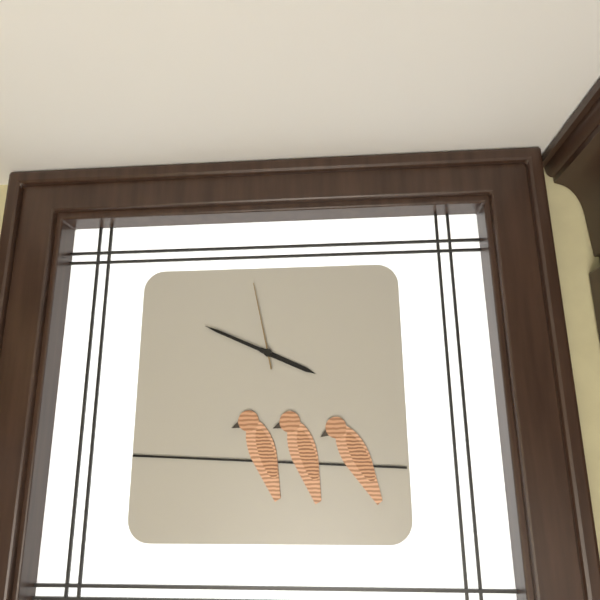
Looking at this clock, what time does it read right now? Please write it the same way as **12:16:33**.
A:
**3:49:58**
